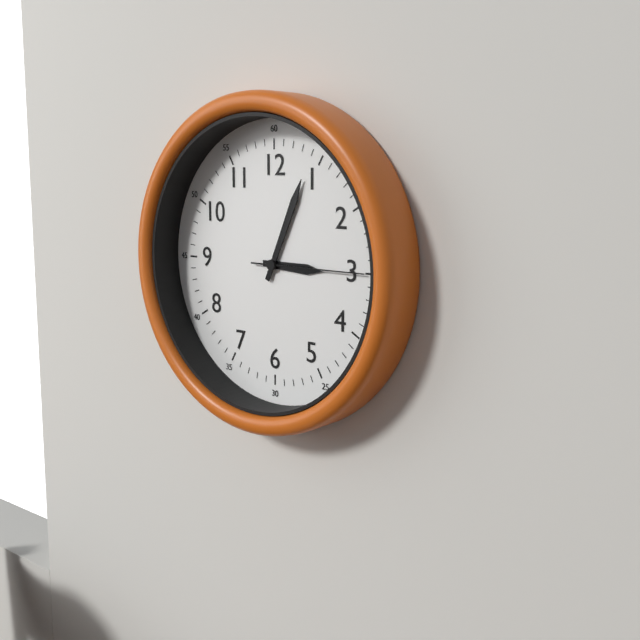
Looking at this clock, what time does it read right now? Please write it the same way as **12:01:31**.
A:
**3:04:15**
